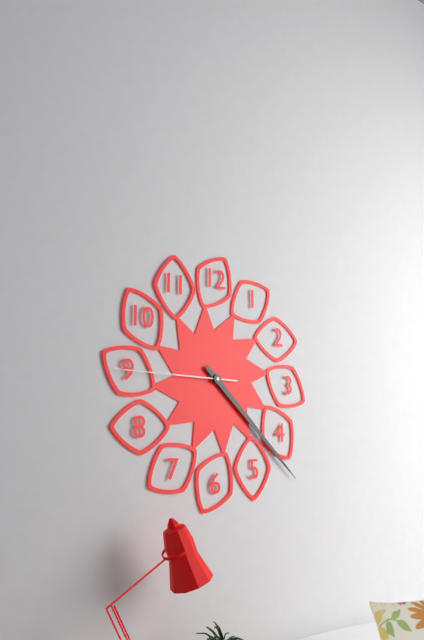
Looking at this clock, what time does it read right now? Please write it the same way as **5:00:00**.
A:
**4:22:45**
